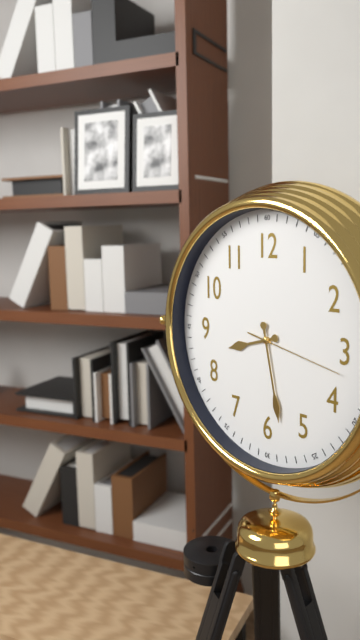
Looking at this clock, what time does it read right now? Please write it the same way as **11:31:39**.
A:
**8:28:17**
